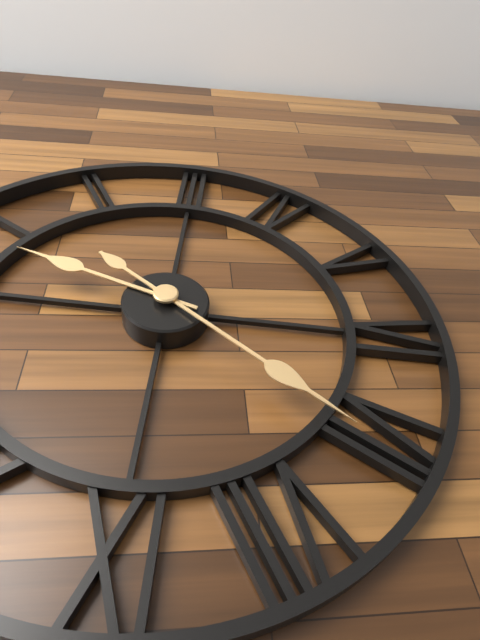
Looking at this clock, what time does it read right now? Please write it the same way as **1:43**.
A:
**12:36**
